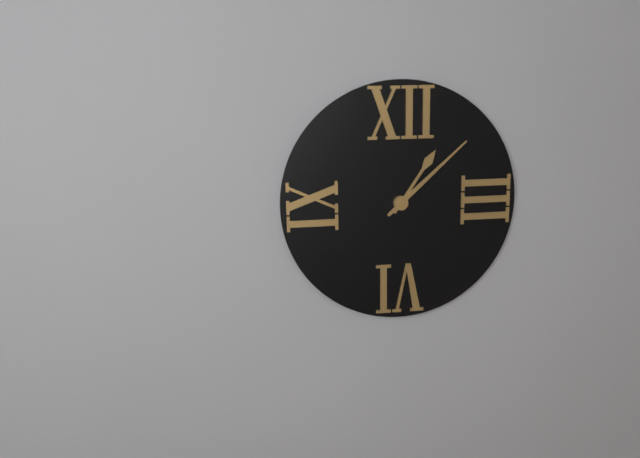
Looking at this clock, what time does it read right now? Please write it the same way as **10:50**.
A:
**1:08**
